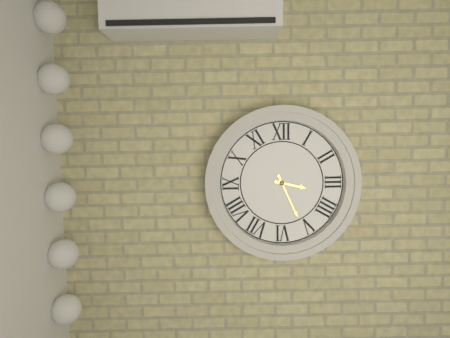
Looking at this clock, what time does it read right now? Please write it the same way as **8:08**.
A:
**3:26**
